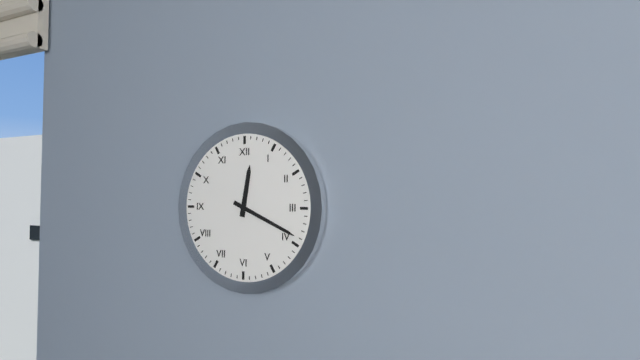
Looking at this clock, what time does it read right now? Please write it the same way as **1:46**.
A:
**12:19**
